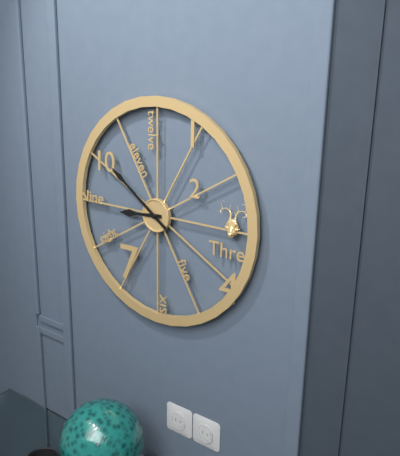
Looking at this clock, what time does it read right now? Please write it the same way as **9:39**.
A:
**8:51**
